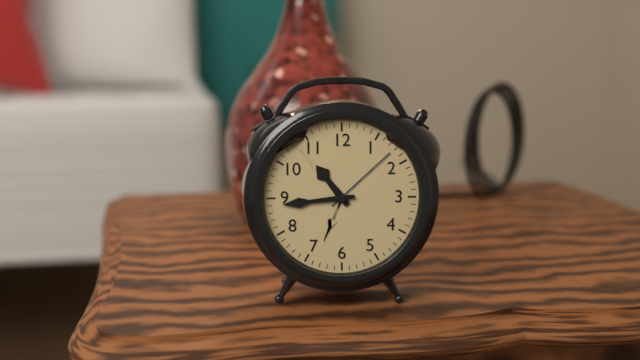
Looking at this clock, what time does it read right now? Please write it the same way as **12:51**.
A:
**10:44**
